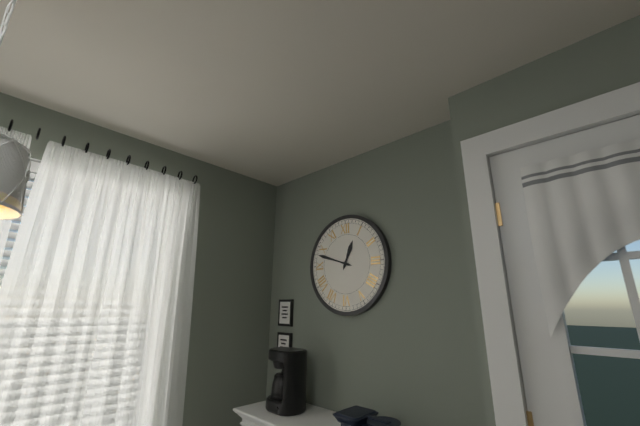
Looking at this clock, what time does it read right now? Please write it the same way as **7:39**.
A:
**12:48**
